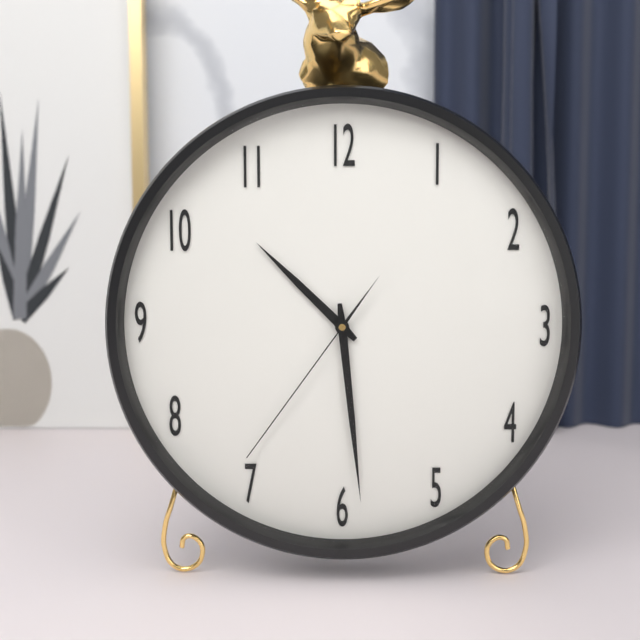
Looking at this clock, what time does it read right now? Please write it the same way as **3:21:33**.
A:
**10:29:36**
